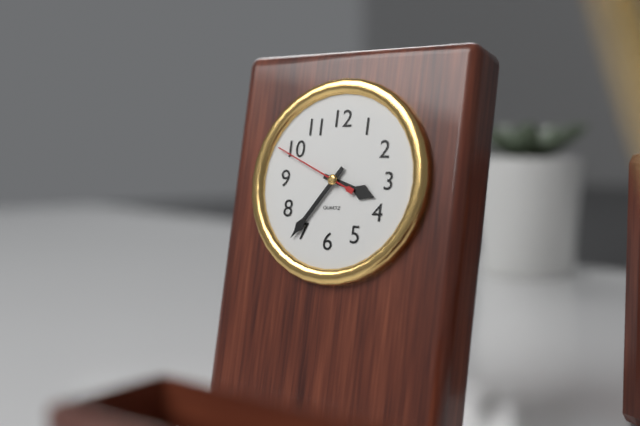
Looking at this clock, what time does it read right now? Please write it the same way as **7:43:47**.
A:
**3:36:49**
